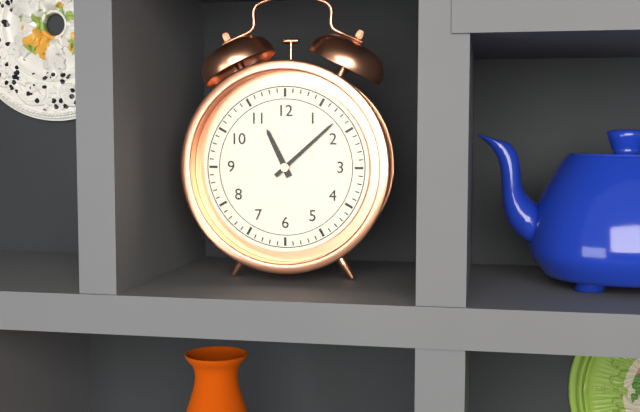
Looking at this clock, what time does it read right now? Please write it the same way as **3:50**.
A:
**11:08**
